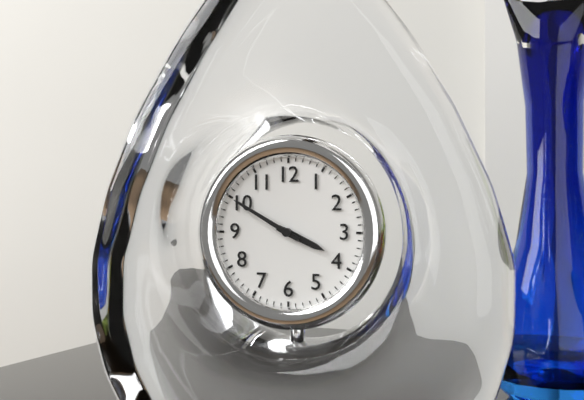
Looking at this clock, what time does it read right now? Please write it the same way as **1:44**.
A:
**3:50**
